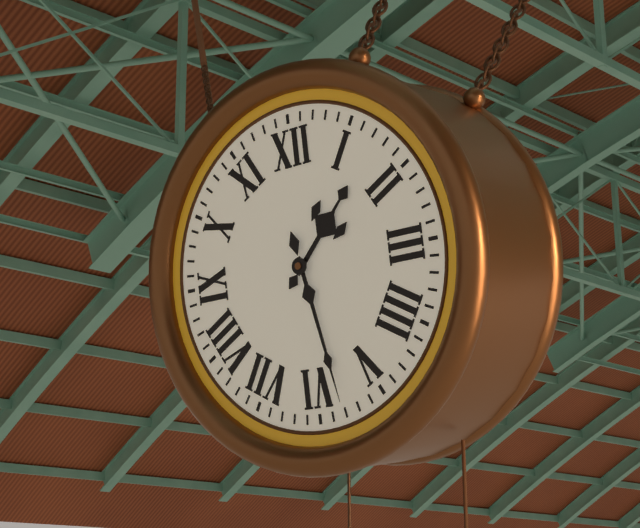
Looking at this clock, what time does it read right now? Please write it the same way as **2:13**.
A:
**1:28**
